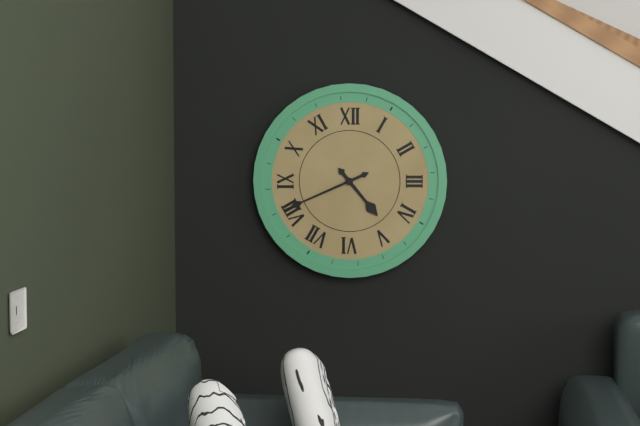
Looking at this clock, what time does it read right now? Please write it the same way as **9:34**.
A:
**4:41**
